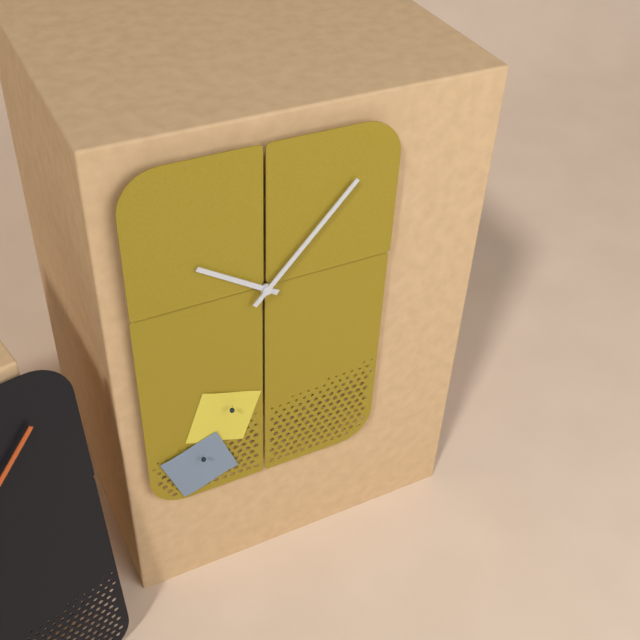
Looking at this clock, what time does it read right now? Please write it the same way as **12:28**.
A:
**10:07**
